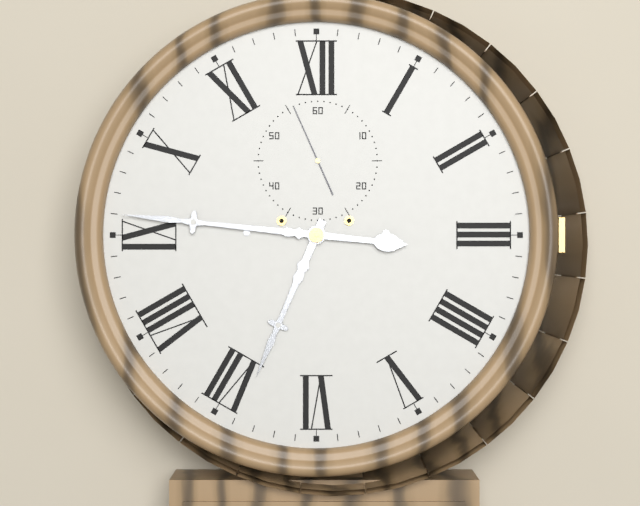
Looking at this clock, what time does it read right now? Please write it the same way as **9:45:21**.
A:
**6:46:56**
